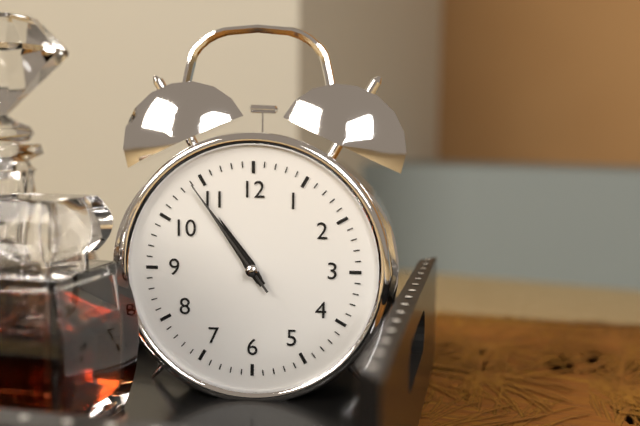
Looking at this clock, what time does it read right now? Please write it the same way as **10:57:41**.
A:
**10:54:54**
